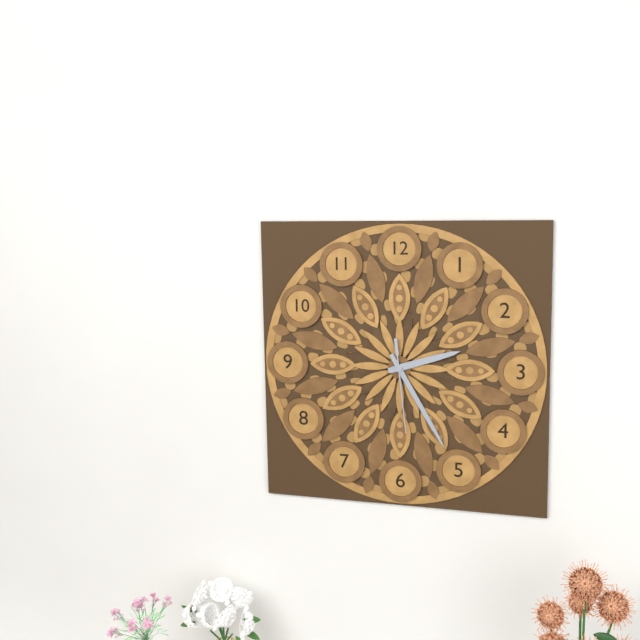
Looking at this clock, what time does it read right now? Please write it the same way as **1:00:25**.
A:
**2:25:29**
